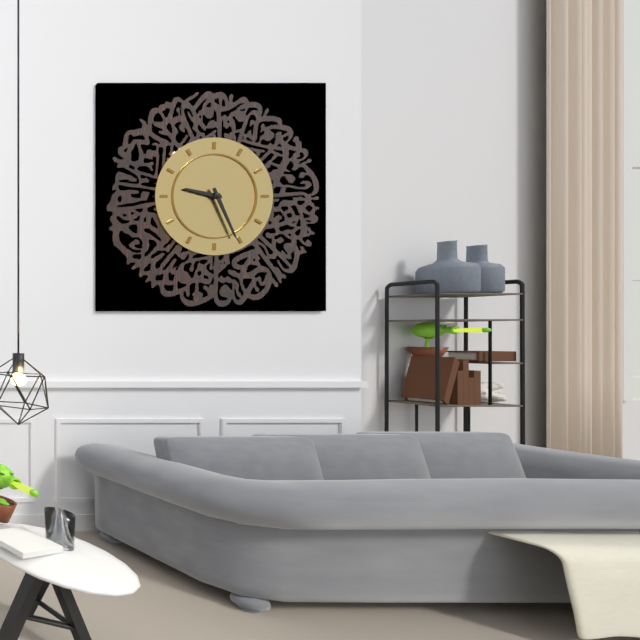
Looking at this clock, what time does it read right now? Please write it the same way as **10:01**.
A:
**9:26**
